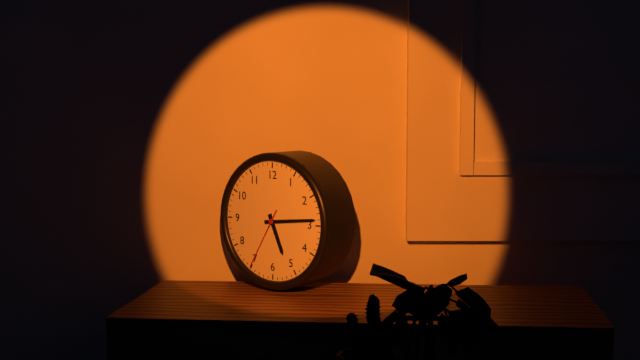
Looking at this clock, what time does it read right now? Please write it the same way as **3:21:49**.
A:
**5:14:35**
